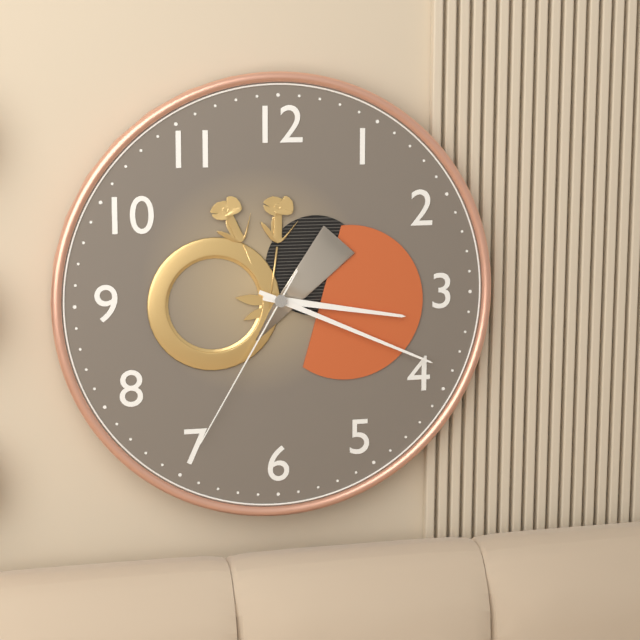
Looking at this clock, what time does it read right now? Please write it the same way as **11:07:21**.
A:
**3:19:35**
